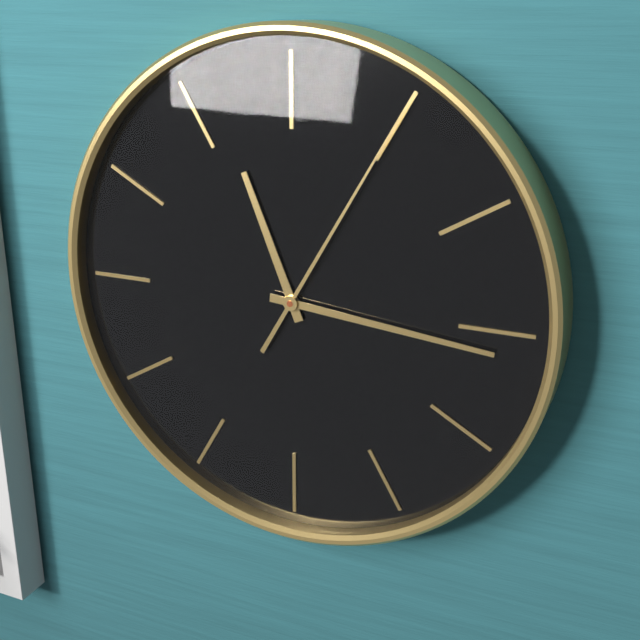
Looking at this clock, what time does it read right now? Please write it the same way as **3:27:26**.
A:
**11:16:05**
